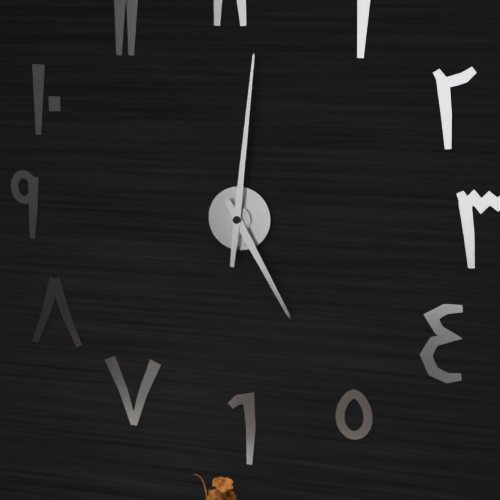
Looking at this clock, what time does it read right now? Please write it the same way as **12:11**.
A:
**5:01**
